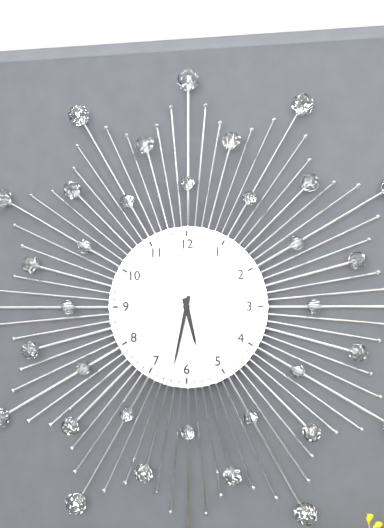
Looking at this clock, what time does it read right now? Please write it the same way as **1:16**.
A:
**5:32**
